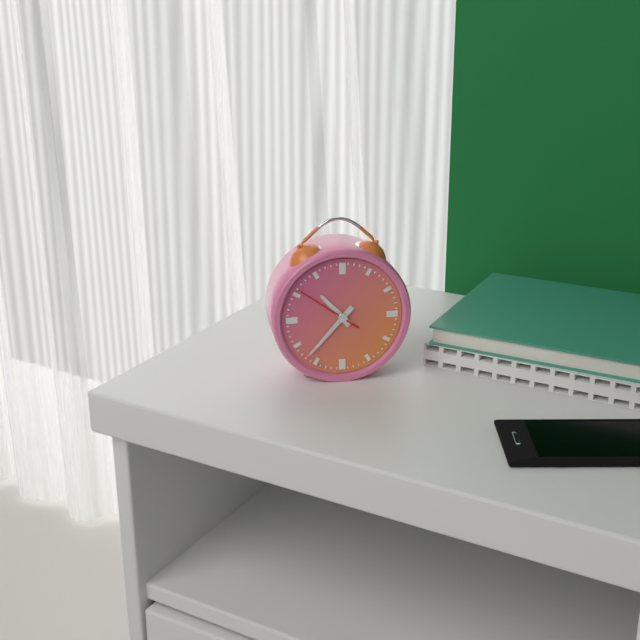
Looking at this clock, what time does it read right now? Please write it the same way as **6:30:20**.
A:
**10:37:51**
